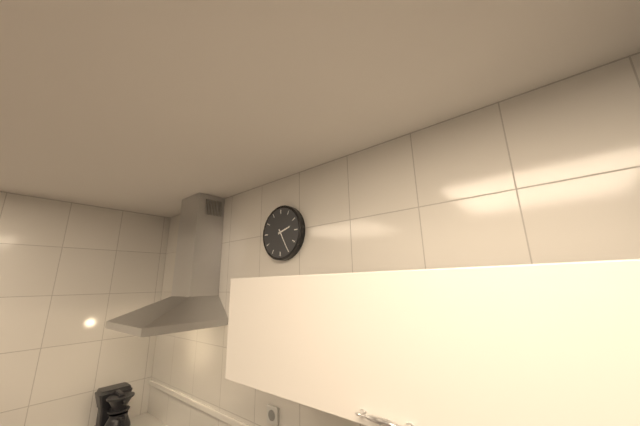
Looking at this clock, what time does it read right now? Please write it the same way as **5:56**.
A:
**2:25**
